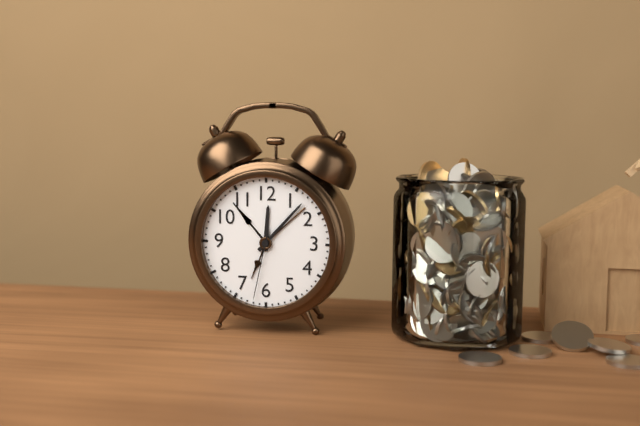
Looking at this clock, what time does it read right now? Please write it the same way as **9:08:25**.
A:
**12:07:32**
